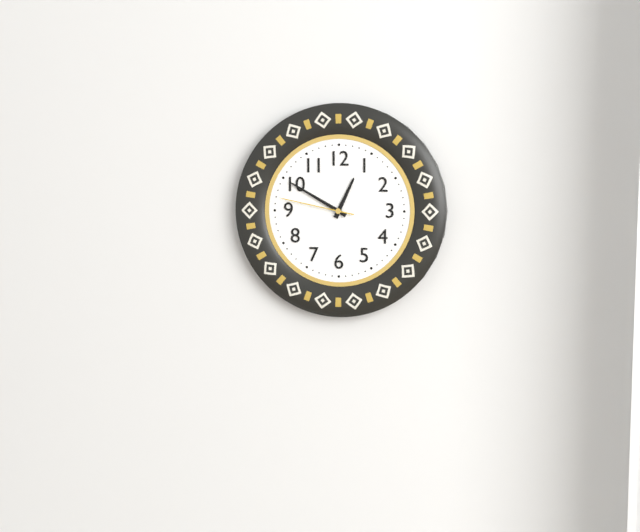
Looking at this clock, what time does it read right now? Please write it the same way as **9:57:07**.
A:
**12:50:47**
